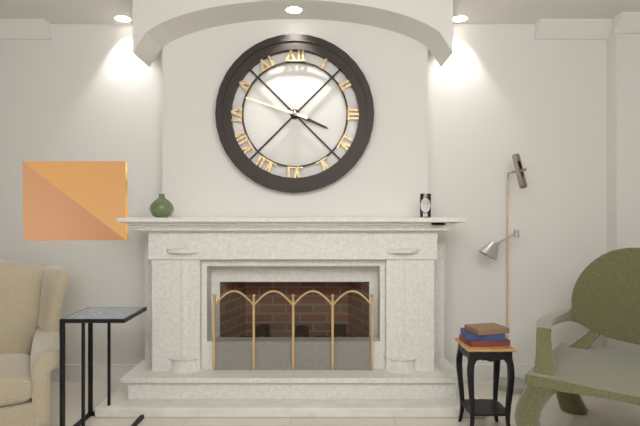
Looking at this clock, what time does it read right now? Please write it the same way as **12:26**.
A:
**3:48**
